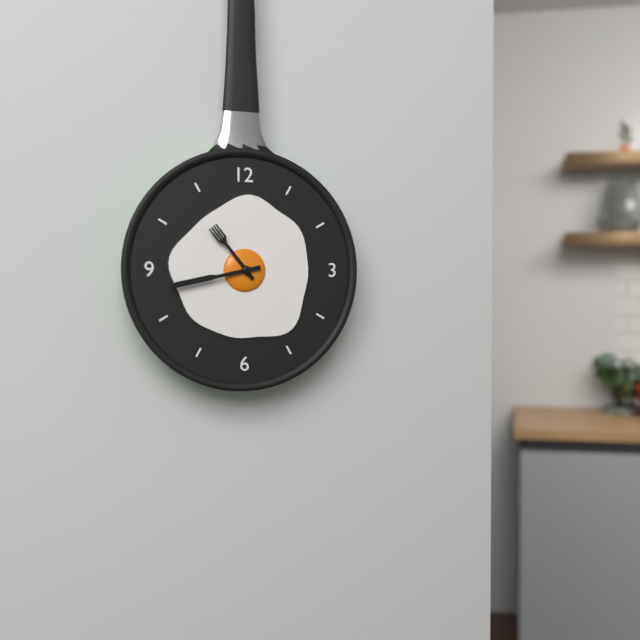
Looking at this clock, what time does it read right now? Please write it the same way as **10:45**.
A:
**10:43**
